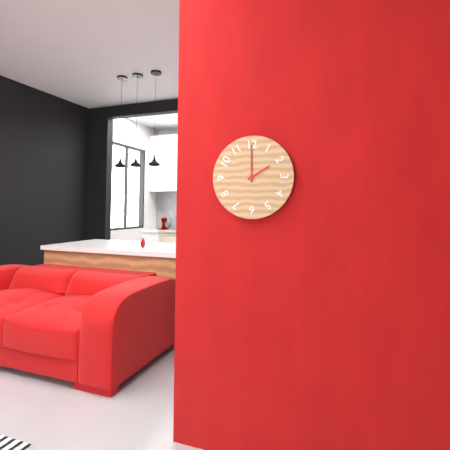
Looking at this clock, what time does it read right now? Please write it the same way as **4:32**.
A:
**2:00**
